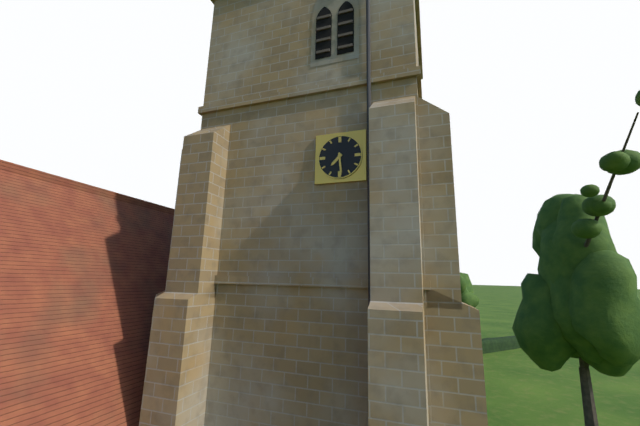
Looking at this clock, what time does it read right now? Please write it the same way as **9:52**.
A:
**7:29**
